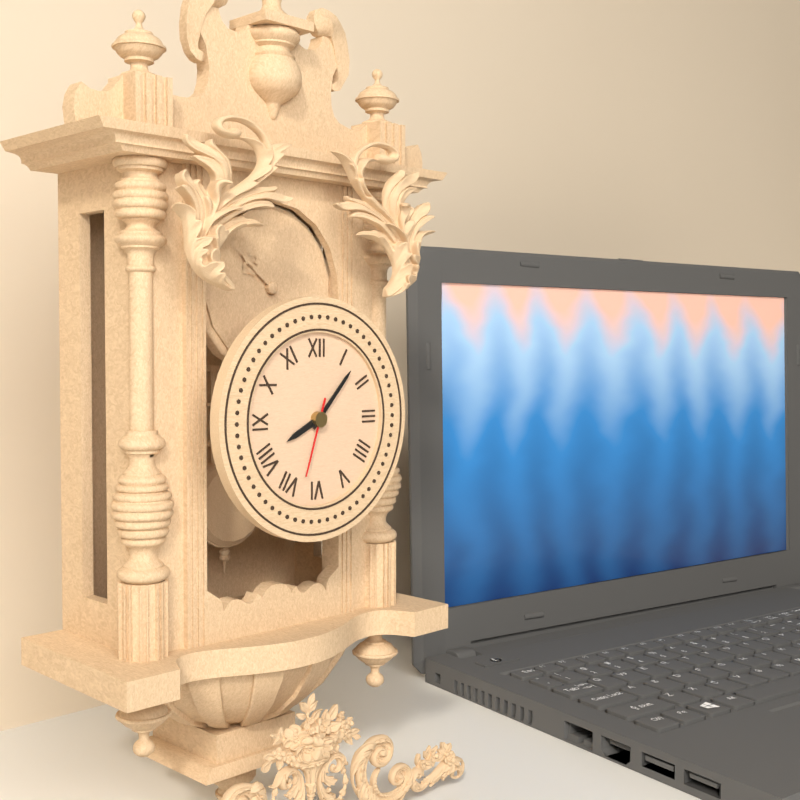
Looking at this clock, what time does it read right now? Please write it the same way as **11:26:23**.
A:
**8:07:33**
